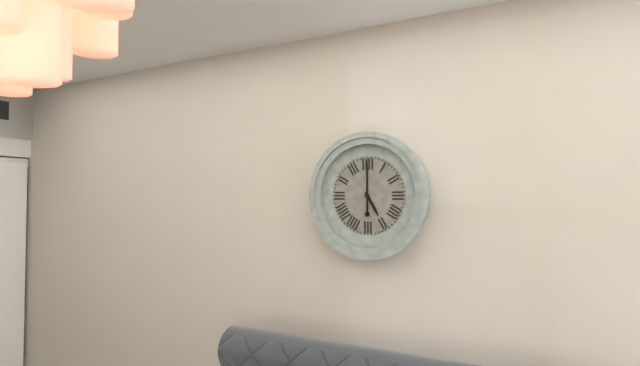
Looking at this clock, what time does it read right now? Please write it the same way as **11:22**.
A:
**5:00**
